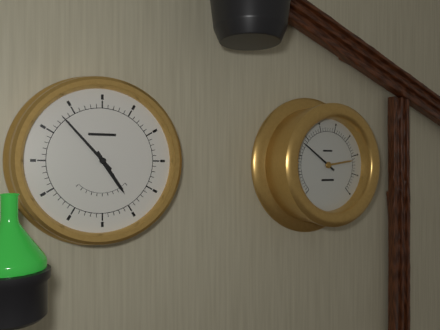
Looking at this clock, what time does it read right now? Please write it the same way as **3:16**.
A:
**4:53**
